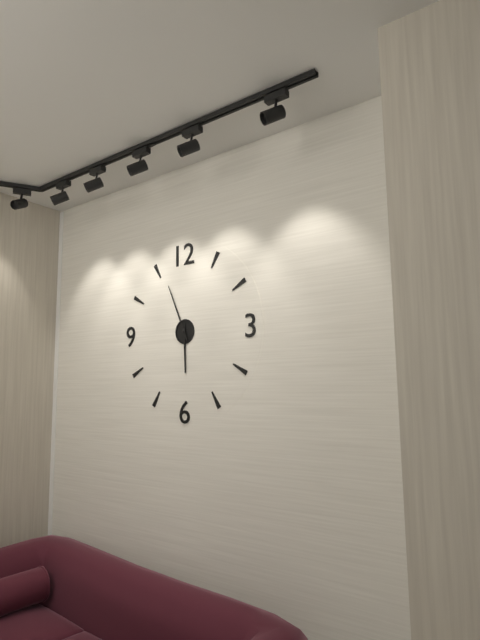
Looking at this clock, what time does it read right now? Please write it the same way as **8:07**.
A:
**5:56**
